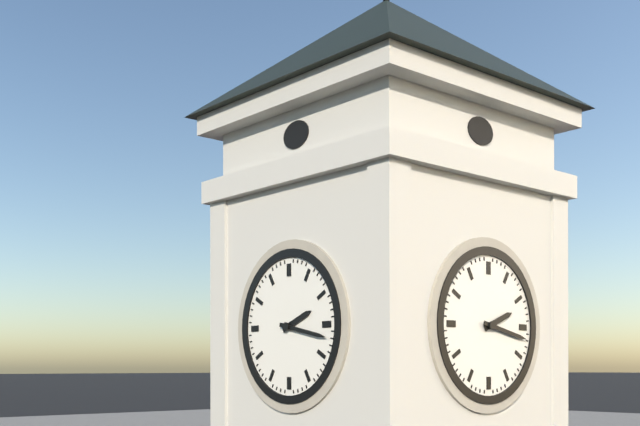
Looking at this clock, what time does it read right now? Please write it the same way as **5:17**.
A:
**2:17**
